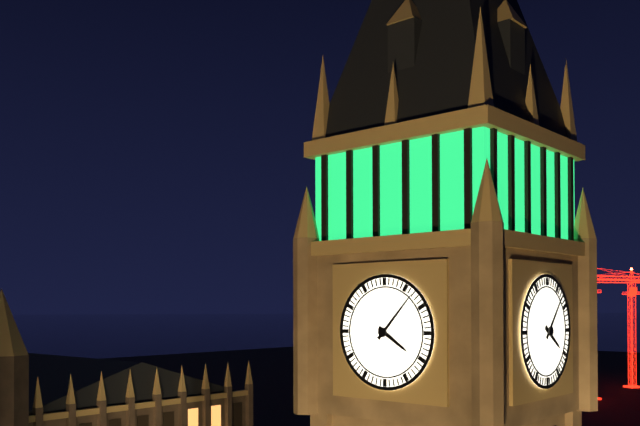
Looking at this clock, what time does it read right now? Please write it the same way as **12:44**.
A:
**4:07**
